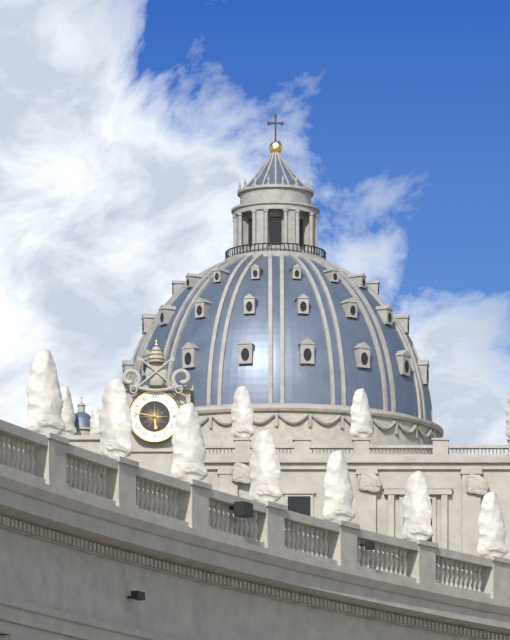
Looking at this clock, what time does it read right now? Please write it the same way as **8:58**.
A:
**5:47**
